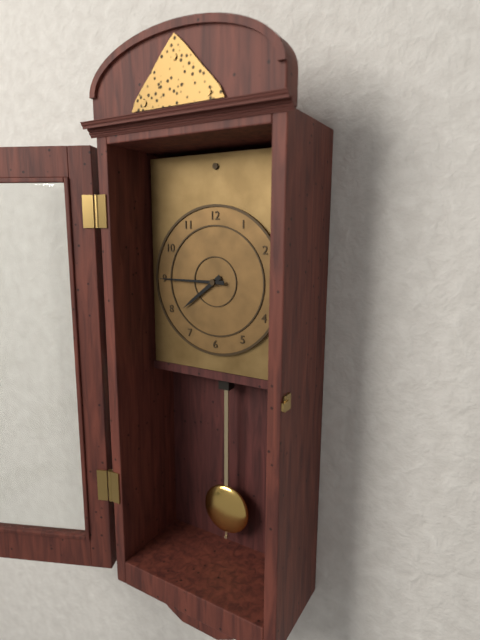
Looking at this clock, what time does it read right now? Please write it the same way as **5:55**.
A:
**7:45**
